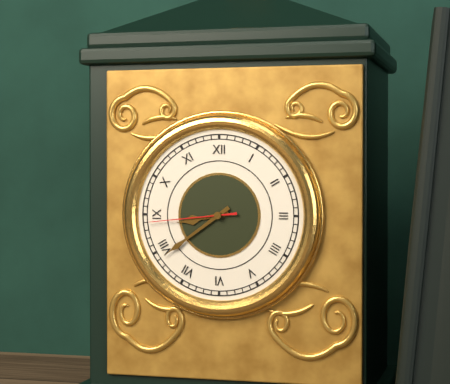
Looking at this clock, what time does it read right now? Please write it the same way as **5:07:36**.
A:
**8:39:44**
